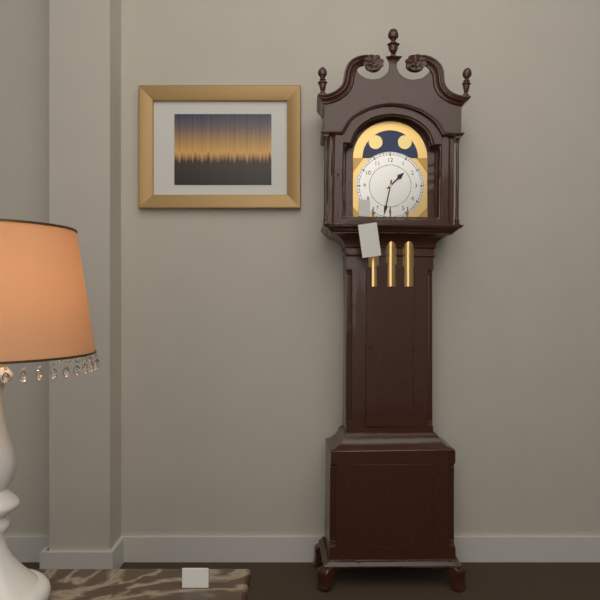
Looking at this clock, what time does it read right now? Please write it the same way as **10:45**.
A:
**1:32**
